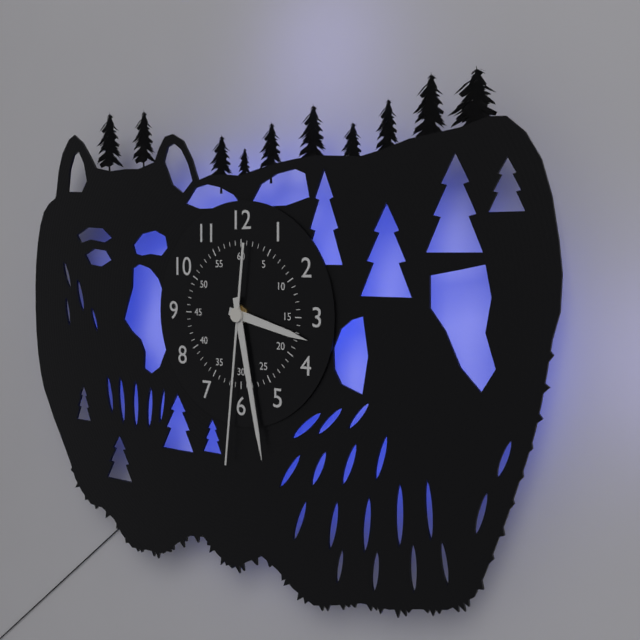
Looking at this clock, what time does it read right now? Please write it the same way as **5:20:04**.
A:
**3:28:31**
